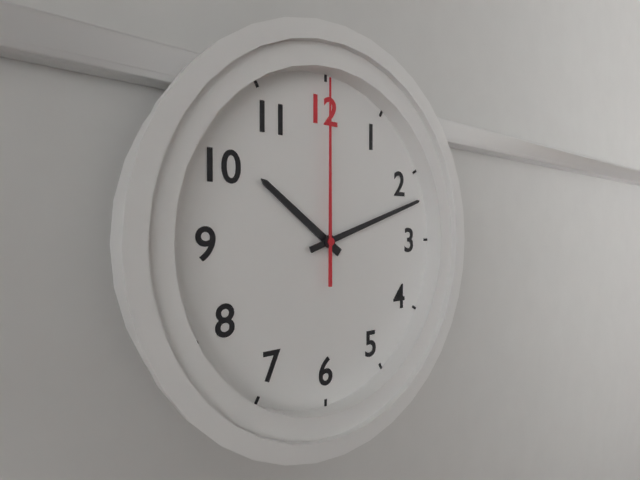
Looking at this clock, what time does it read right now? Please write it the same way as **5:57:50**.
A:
**10:12:00**
